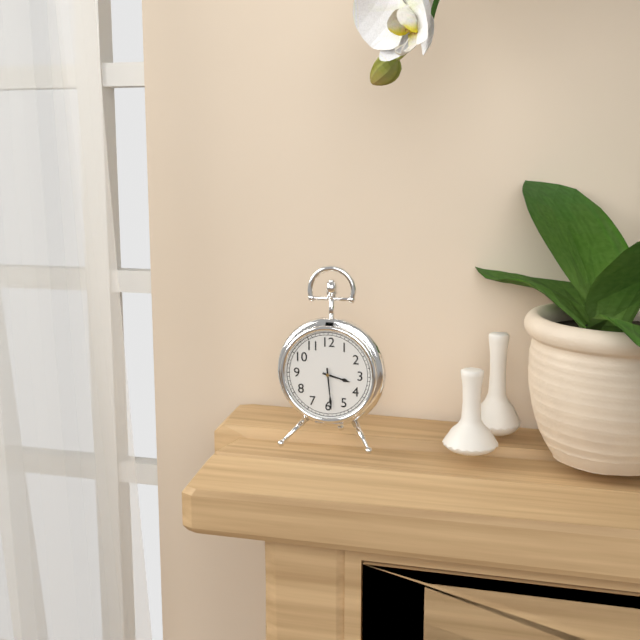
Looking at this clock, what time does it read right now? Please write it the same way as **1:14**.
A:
**3:29**
